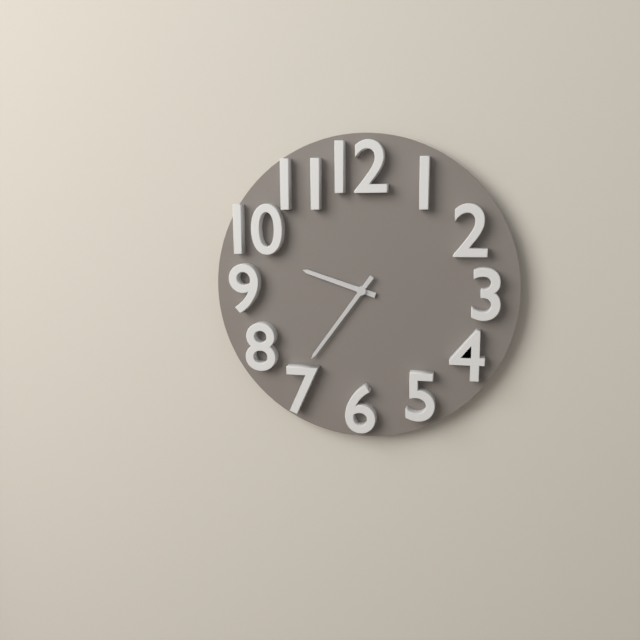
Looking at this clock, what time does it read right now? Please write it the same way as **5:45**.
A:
**9:36**
